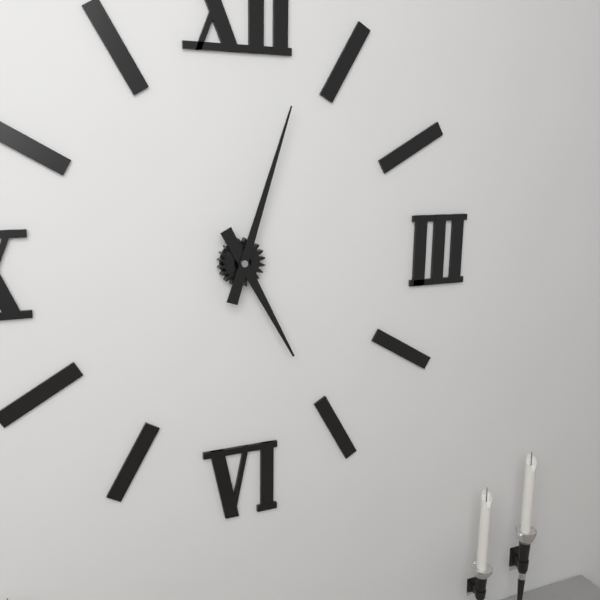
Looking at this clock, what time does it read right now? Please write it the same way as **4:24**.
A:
**5:03**
